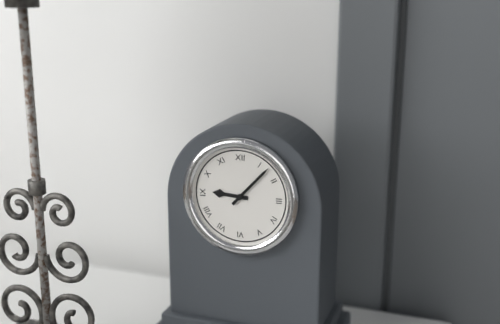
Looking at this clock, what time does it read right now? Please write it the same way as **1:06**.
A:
**9:07**
